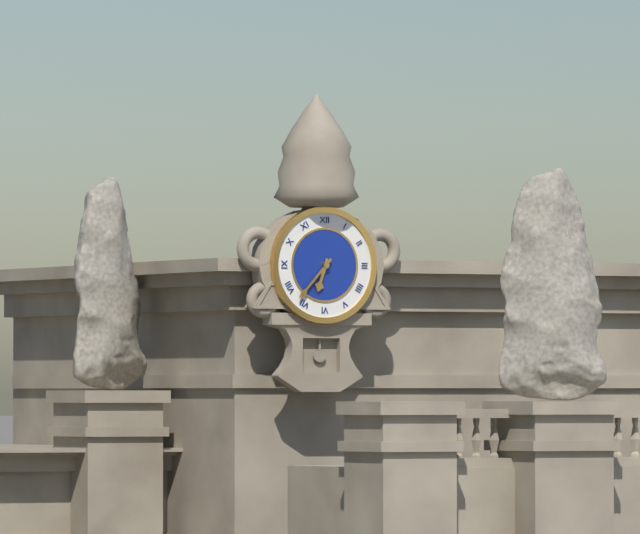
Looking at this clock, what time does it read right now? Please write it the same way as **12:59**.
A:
**6:37**
